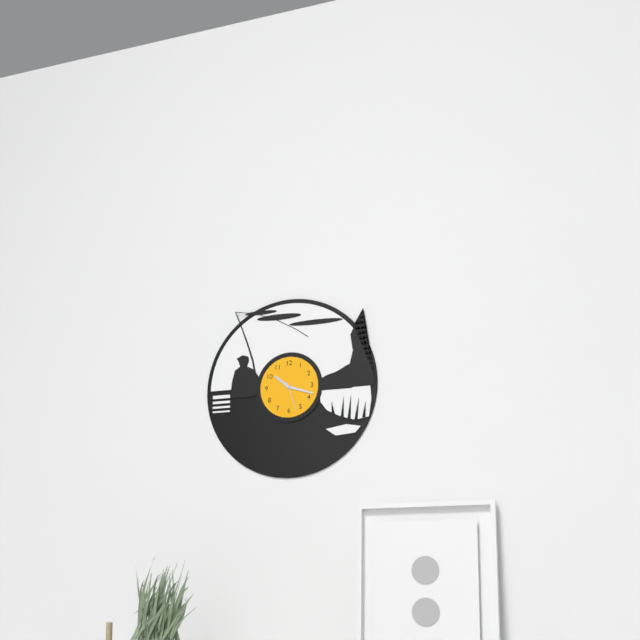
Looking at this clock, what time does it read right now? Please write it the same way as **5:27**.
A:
**10:18**
